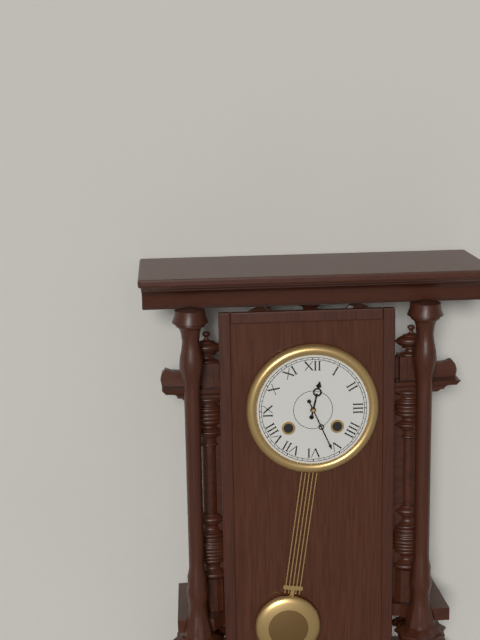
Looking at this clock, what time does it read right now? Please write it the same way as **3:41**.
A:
**12:26**
